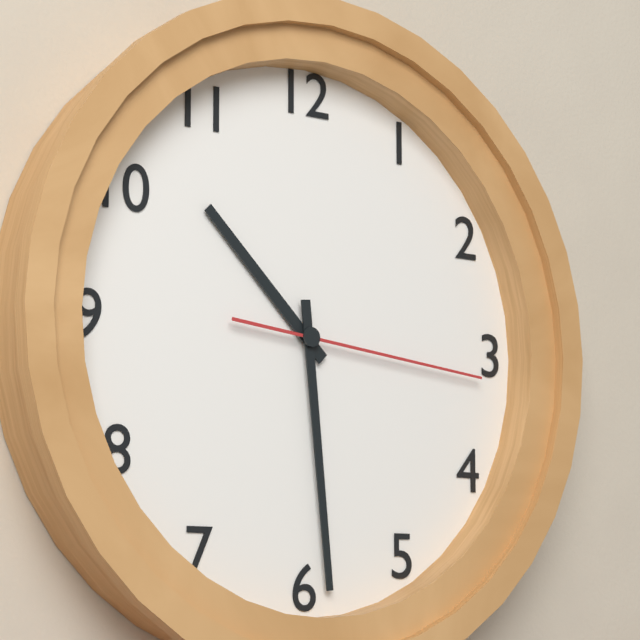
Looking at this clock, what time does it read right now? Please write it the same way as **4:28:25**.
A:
**10:29:16**
